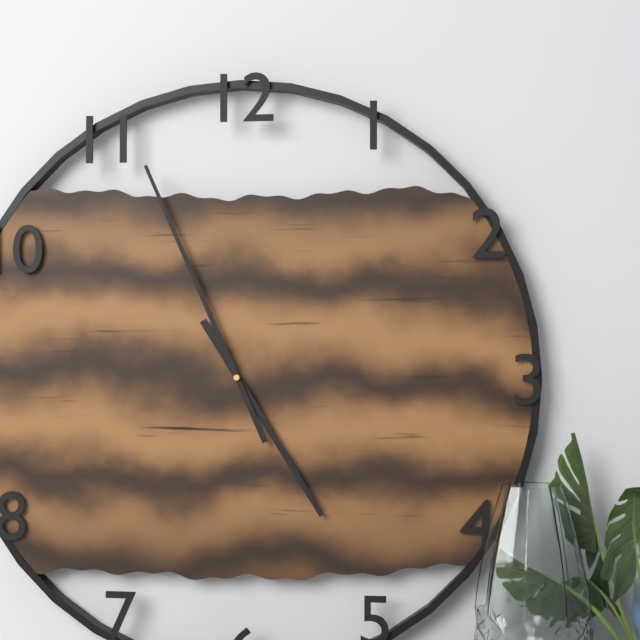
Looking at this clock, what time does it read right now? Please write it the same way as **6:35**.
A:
**4:56**
